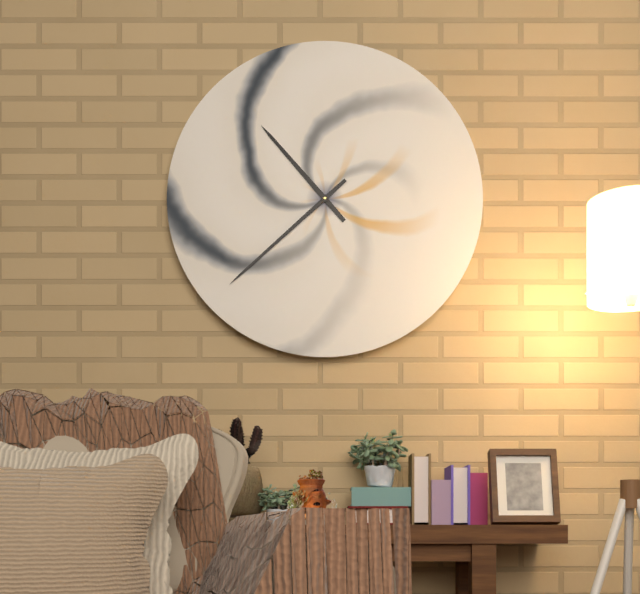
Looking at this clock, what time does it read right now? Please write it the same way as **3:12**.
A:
**10:38**
